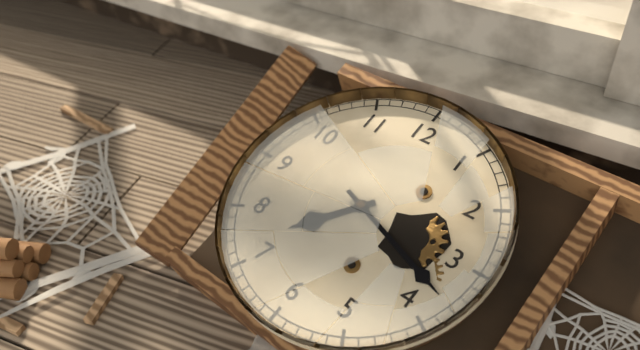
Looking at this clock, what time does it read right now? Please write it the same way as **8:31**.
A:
**7:18**
